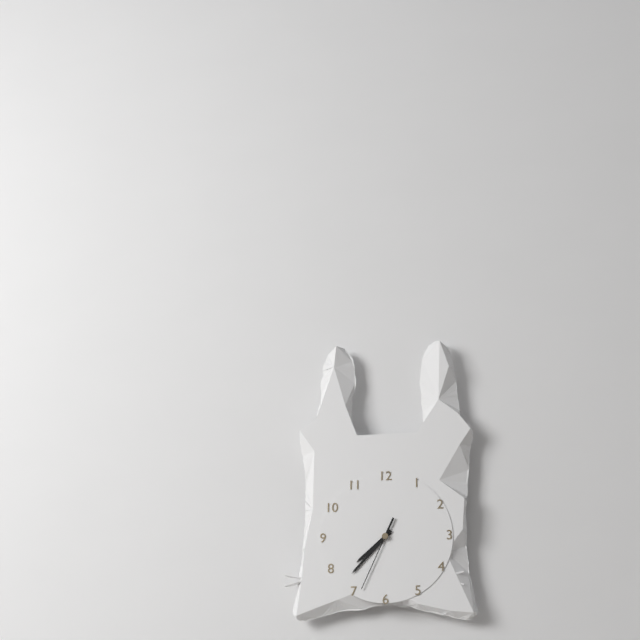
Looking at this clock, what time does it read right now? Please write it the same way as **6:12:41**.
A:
**7:37:34**
